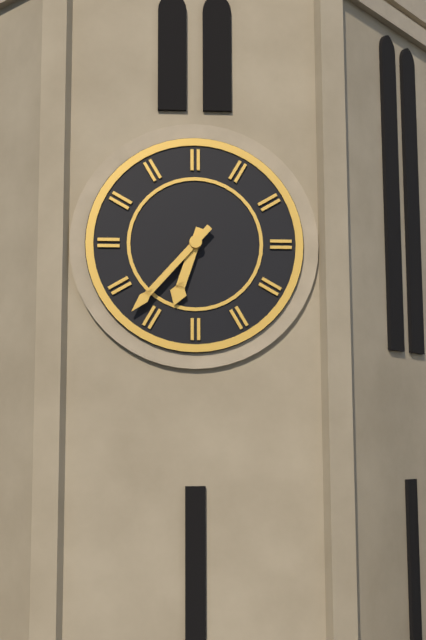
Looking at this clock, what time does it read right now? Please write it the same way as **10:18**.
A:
**6:37**
